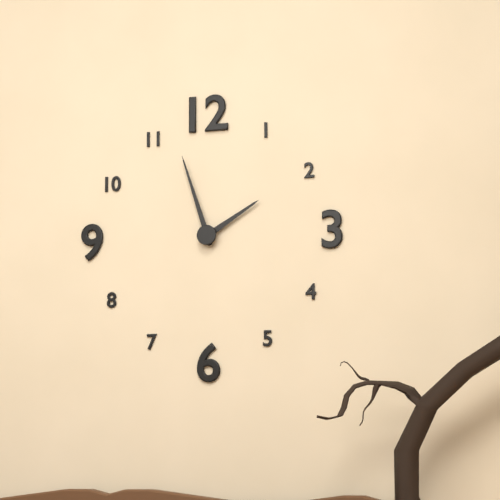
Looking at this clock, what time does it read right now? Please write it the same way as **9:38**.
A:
**1:57**
